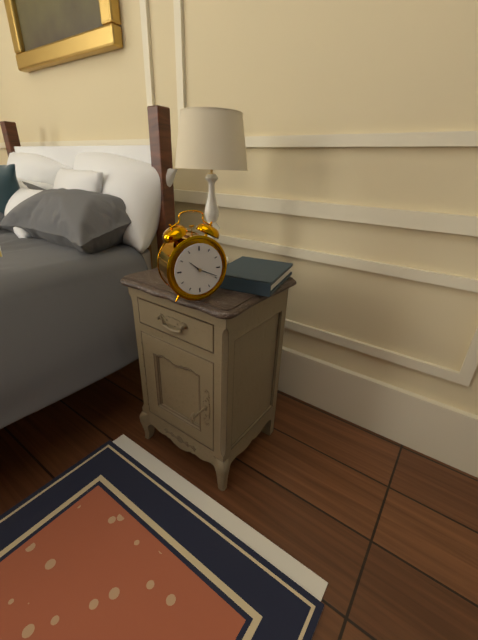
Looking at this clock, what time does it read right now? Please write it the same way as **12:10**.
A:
**10:19**
